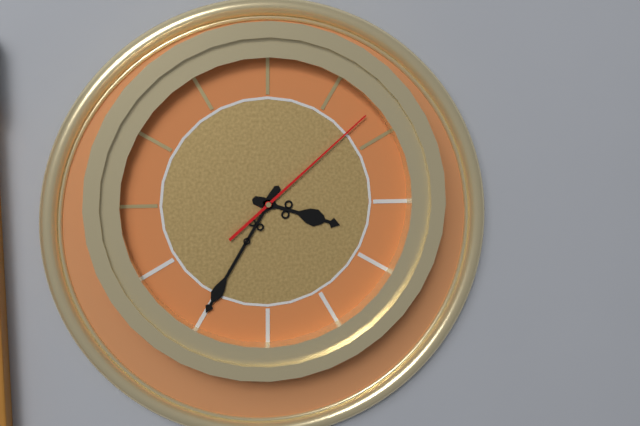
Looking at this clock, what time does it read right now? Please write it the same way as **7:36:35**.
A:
**3:35:08**
